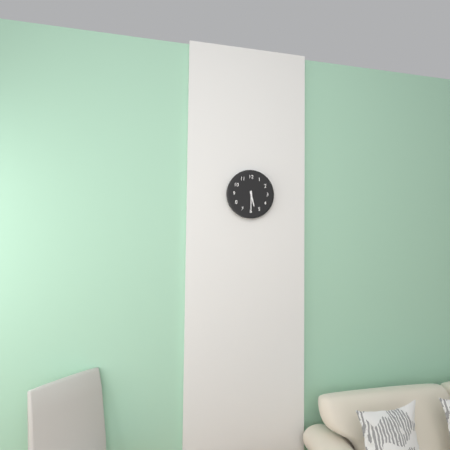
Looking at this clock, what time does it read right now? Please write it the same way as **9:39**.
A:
**5:30**
